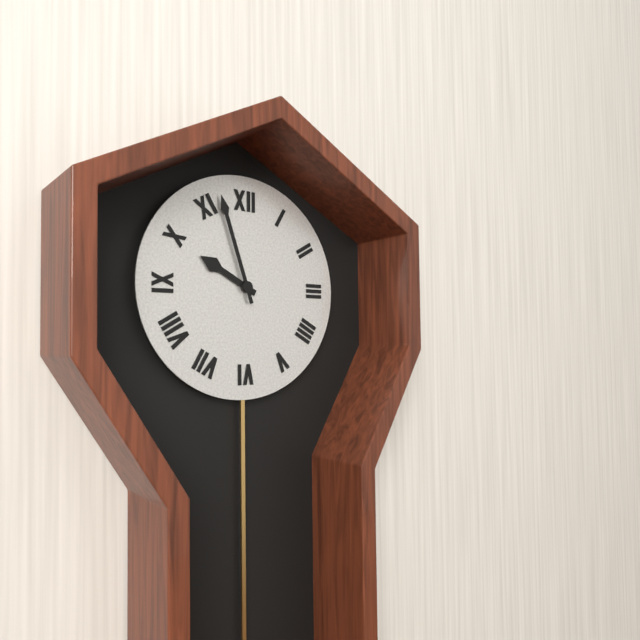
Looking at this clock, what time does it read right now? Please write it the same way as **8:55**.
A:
**9:57**
